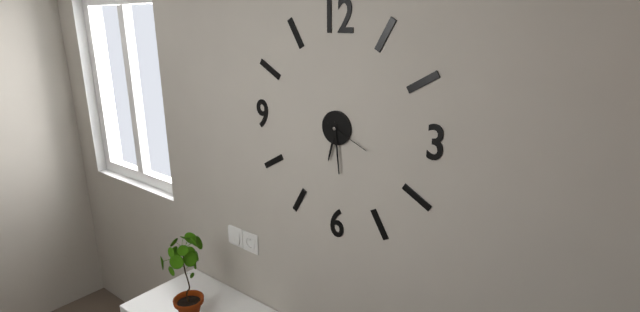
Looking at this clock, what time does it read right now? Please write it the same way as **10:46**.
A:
**6:29**
